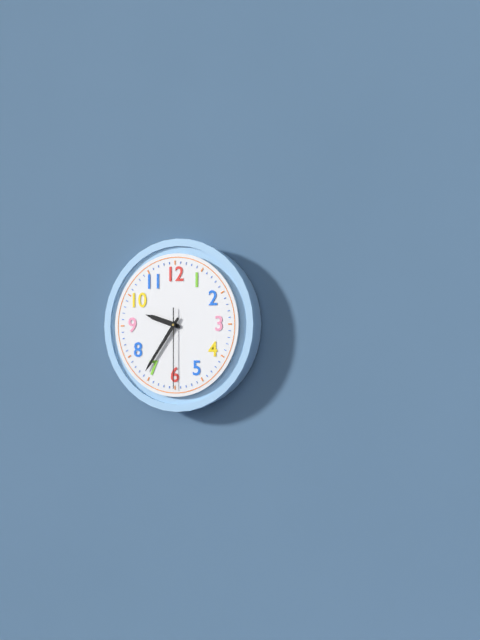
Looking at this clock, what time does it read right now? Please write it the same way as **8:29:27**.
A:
**9:36:30**
